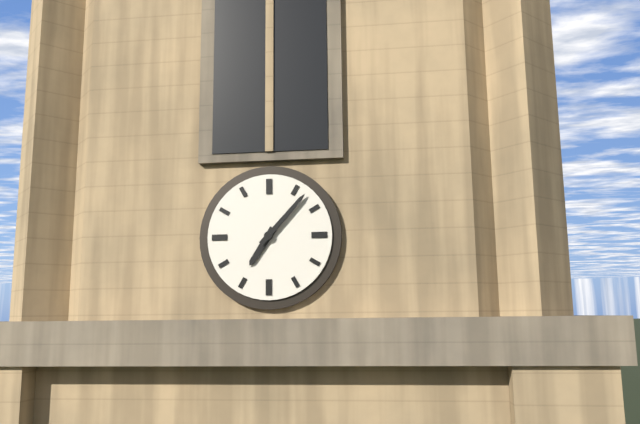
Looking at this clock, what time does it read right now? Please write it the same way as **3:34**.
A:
**7:07**
